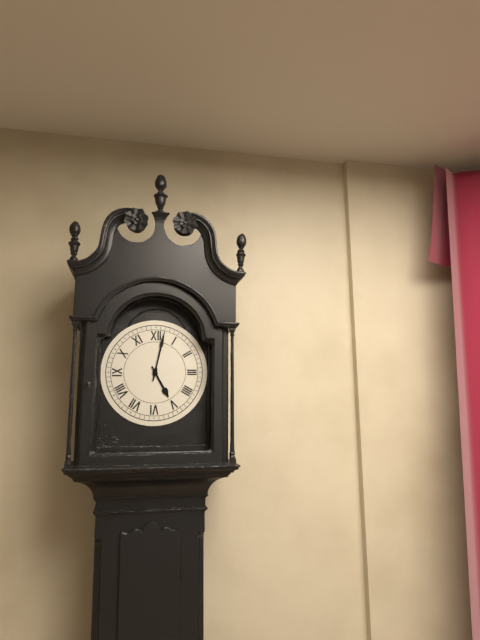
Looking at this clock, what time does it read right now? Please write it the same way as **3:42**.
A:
**5:02**
